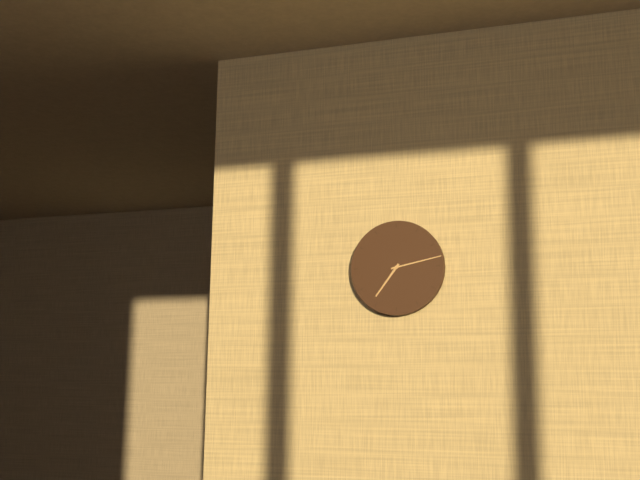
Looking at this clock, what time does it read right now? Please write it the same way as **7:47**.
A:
**7:13**
